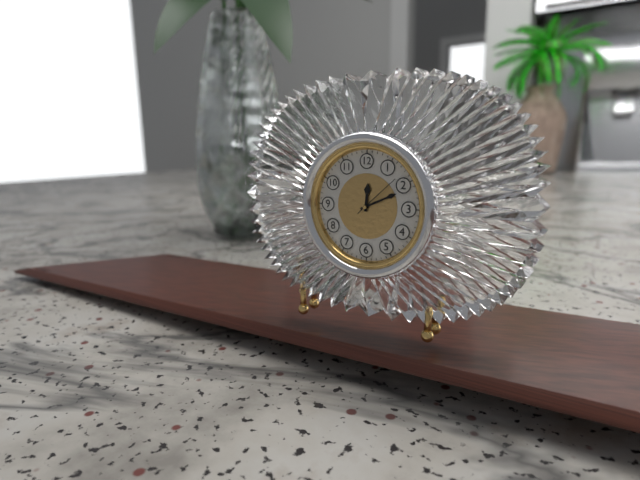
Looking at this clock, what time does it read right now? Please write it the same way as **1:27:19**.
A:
**12:11:08**
